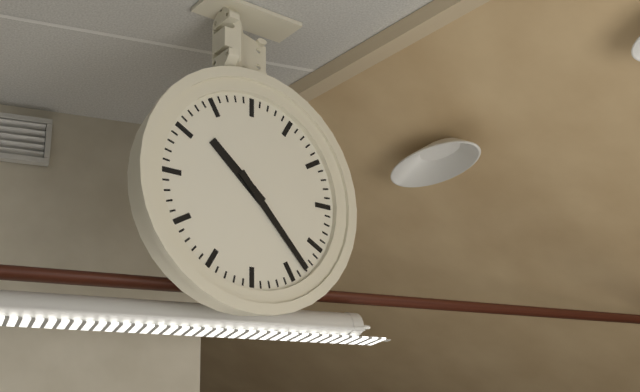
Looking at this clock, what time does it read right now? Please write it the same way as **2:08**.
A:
**10:23**
